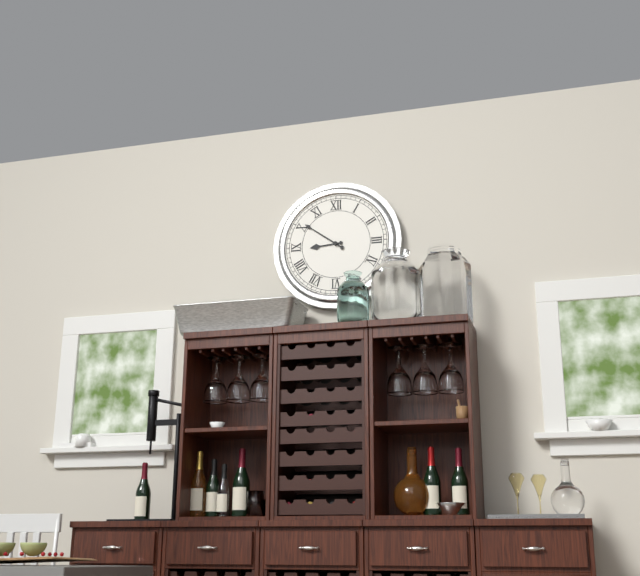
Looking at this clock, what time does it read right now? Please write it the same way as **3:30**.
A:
**8:51**
